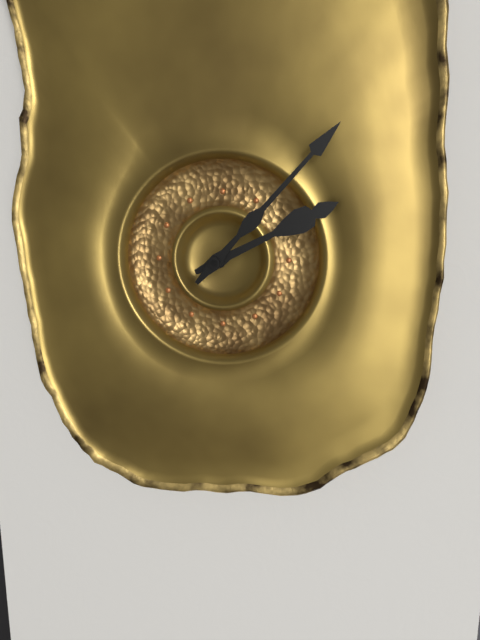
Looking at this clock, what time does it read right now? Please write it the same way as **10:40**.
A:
**2:07**
